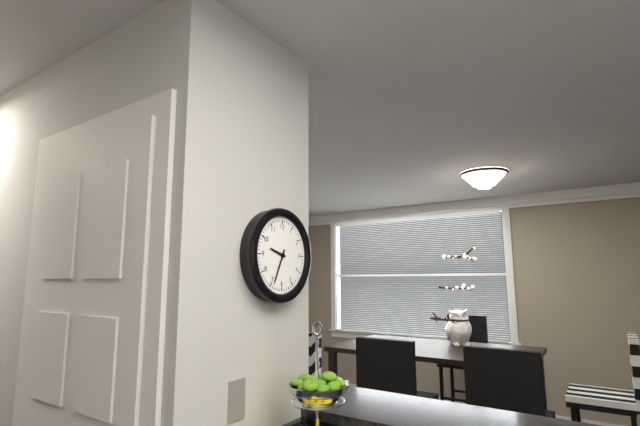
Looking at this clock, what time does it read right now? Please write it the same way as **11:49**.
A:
**9:34**
